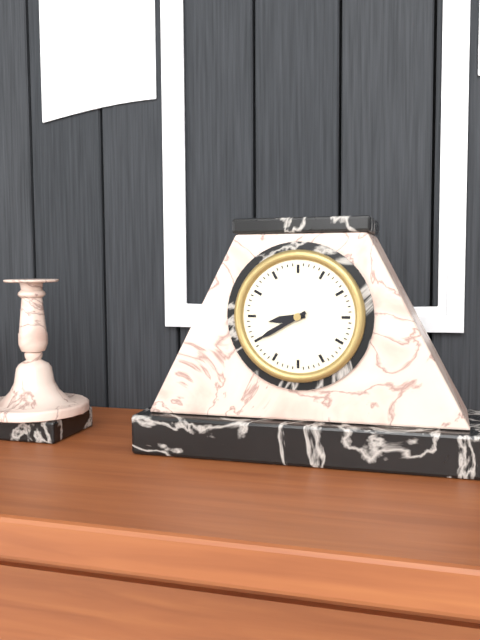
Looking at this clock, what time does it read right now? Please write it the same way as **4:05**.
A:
**8:40**
